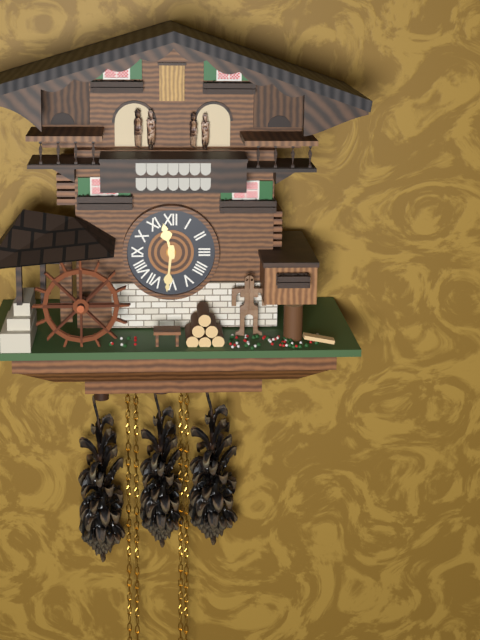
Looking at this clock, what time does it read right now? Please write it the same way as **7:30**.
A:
**11:31**
